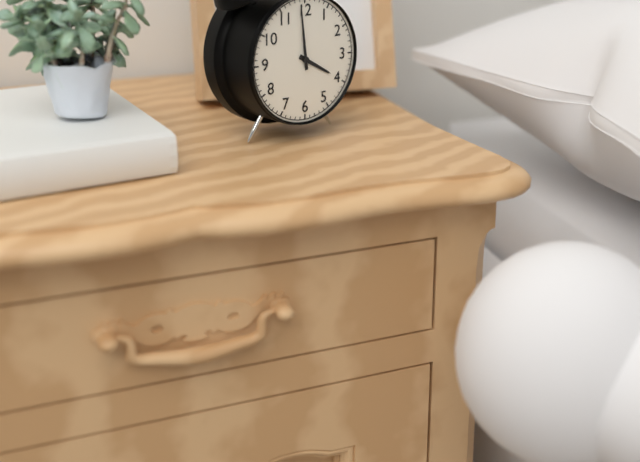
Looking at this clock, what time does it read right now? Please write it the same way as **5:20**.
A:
**3:59**
